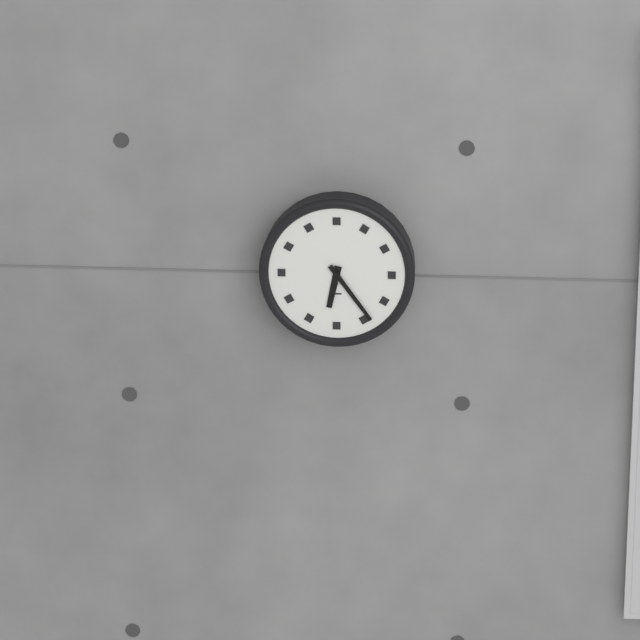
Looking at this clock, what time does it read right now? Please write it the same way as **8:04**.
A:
**6:24**
